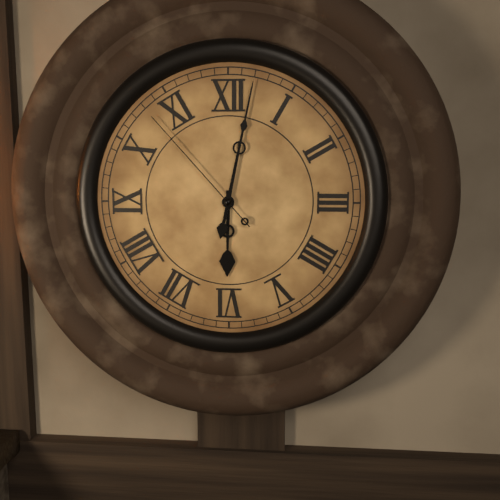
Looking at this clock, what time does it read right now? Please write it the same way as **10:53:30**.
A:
**6:02:53**
